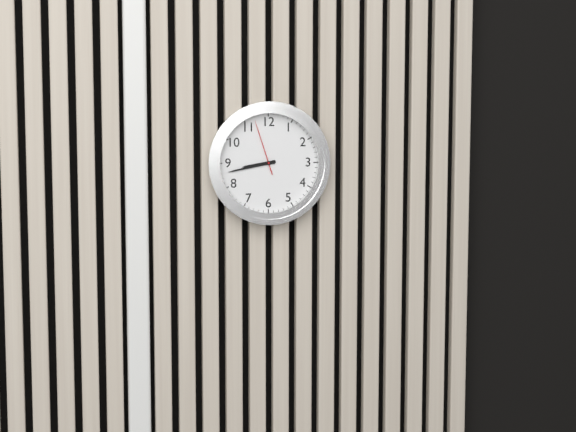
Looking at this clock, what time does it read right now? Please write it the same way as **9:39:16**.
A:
**8:43:57**
